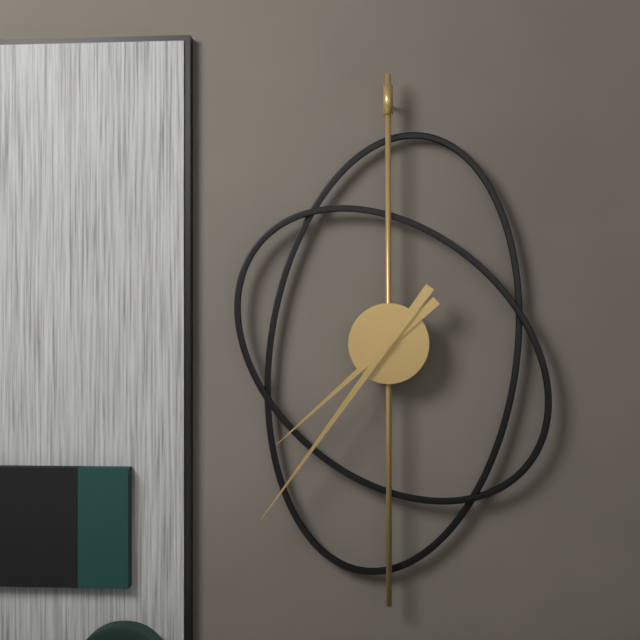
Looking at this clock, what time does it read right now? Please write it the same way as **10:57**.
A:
**7:36**
